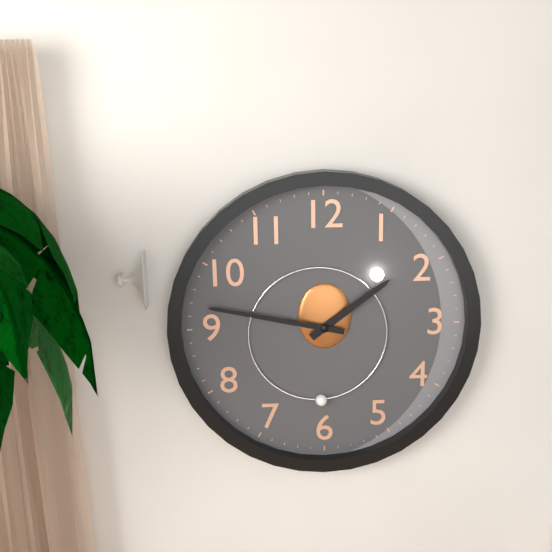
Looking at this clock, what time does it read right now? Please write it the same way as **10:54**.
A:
**1:47**
